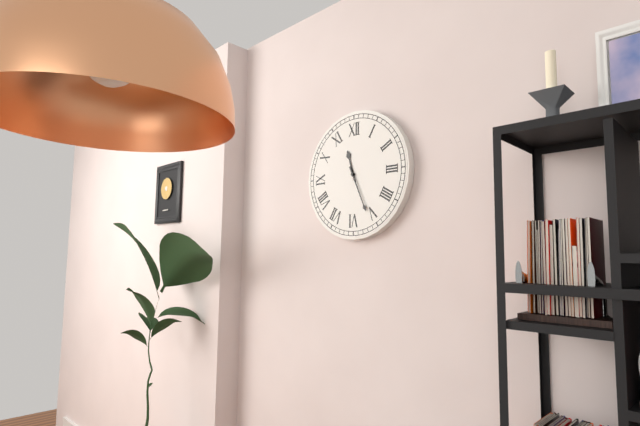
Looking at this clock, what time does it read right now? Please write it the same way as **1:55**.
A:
**11:26**
